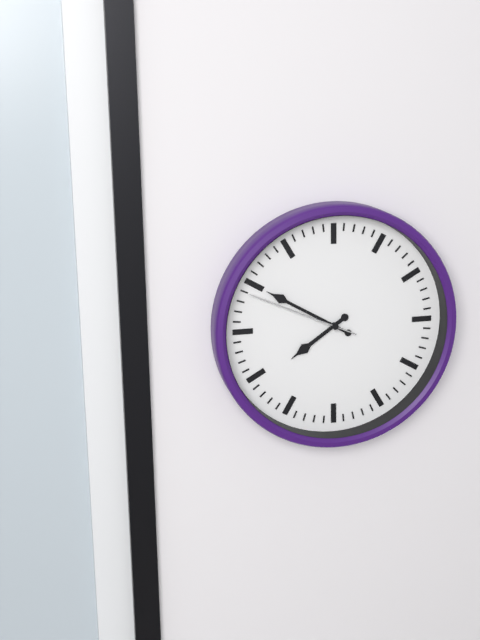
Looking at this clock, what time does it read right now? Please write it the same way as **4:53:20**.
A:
**7:50:49**
